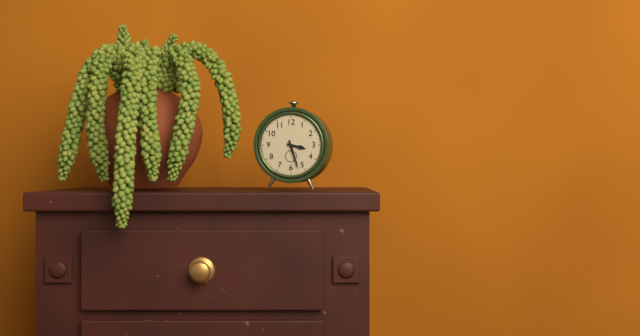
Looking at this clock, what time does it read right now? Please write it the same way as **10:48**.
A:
**3:27**
